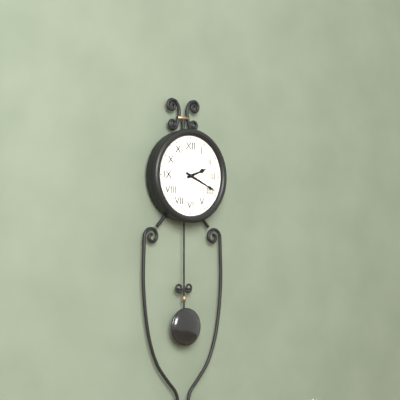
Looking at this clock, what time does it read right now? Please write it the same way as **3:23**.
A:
**2:19**
